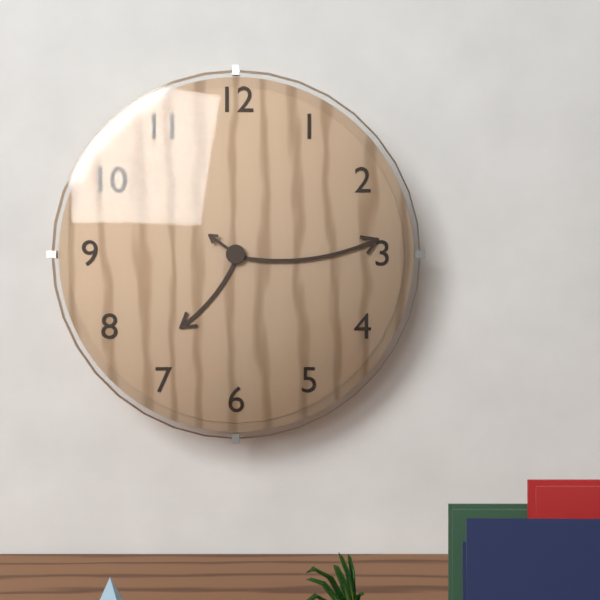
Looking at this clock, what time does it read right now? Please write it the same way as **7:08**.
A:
**7:14**
